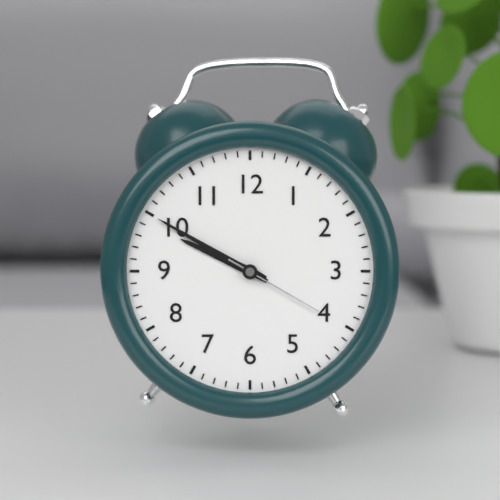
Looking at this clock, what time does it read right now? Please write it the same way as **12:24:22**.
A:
**9:50:20**
